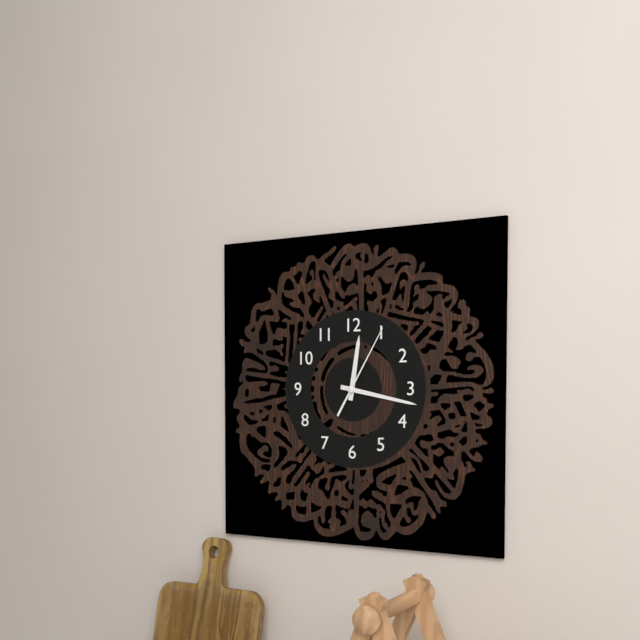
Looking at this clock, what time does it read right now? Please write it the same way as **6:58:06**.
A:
**12:17:05**
